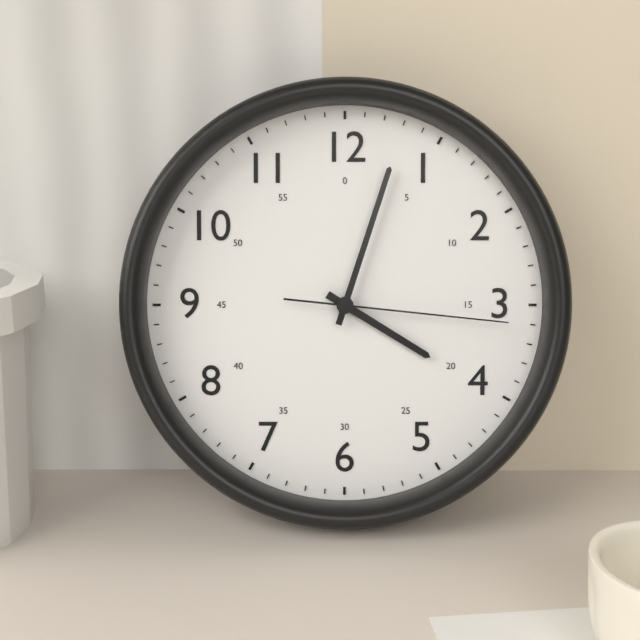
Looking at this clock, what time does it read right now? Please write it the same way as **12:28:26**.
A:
**4:03:16**
